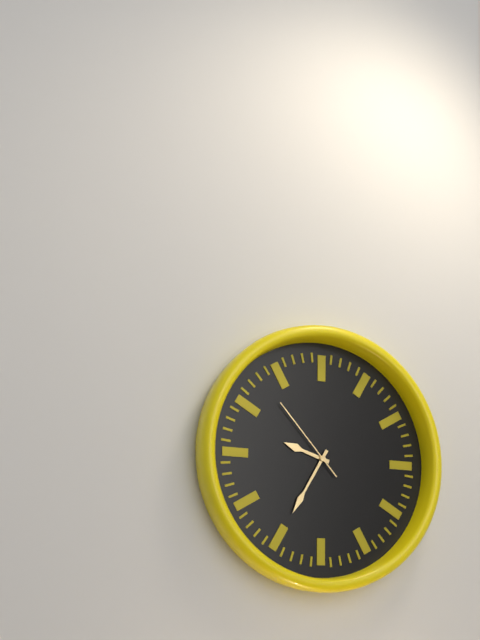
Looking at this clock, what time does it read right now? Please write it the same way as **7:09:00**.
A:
**9:35:53**
